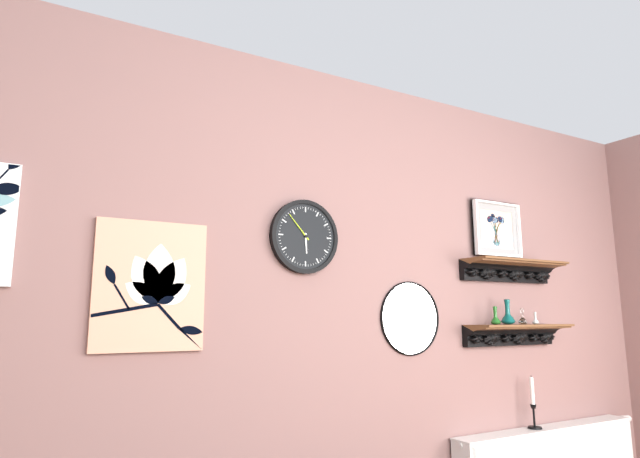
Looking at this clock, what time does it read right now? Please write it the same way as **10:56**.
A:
**5:53**
